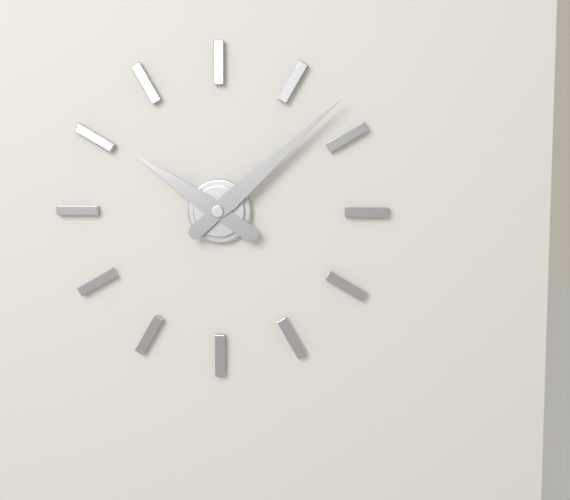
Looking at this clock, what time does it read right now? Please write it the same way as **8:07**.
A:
**10:08**
